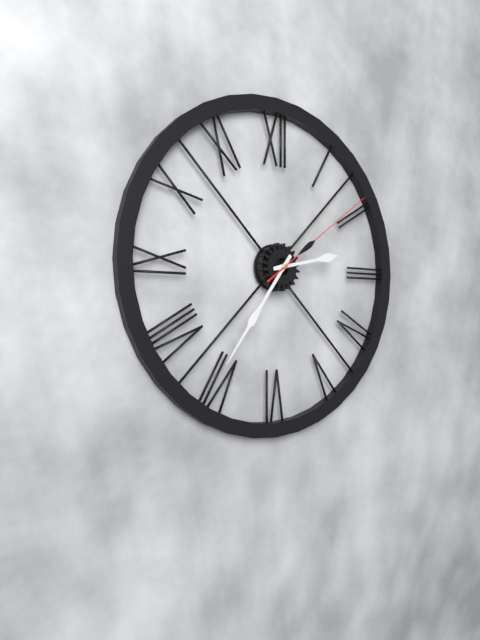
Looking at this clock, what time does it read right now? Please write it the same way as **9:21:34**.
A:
**2:36:09**
